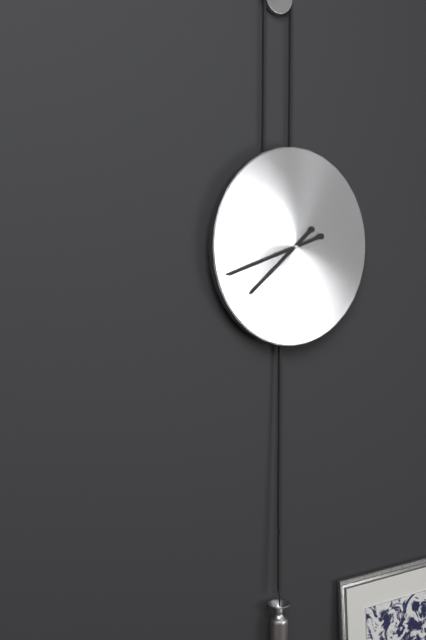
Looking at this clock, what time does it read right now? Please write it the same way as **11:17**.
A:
**7:42**
